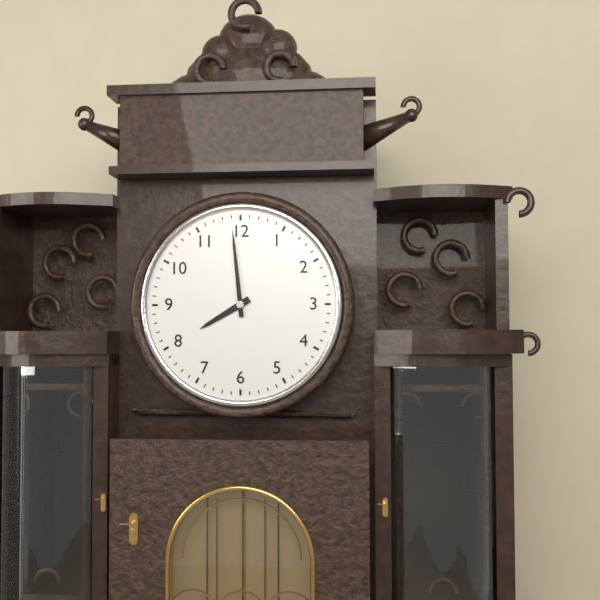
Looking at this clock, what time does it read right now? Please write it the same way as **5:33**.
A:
**7:59**
